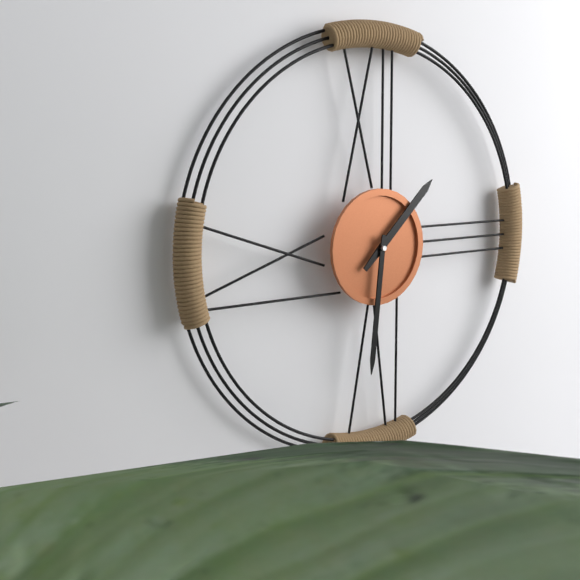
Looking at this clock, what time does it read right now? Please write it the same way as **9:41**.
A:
**1:31**
